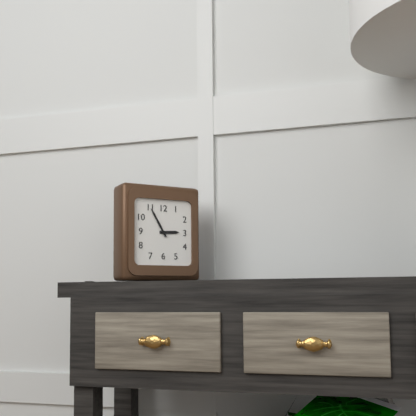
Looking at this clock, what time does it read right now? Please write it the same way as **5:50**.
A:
**2:55**
